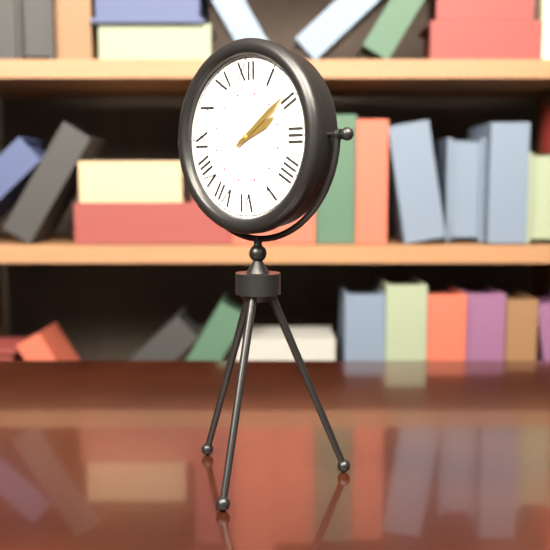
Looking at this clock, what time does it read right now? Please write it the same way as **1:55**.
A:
**2:09**
